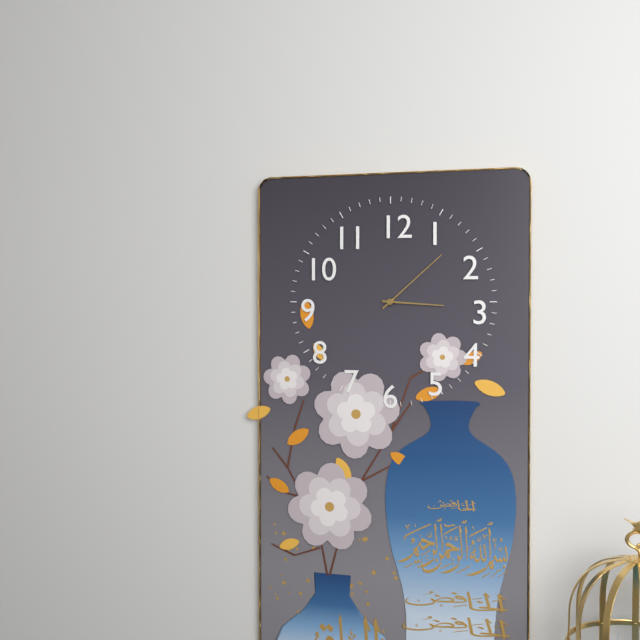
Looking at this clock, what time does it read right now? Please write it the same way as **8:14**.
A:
**3:08**
